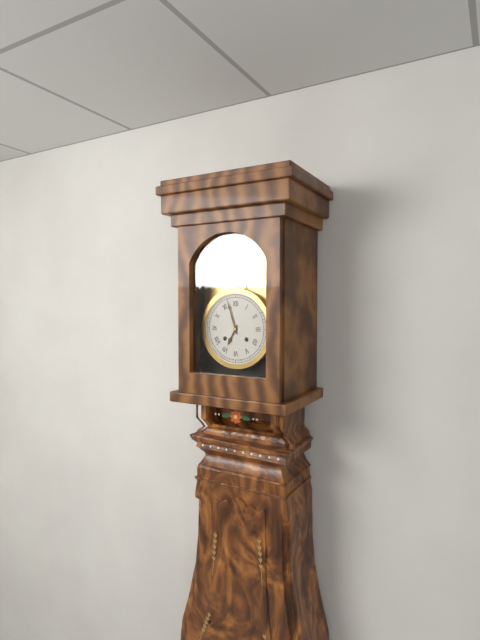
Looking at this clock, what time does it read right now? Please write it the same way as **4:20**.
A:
**6:57**
